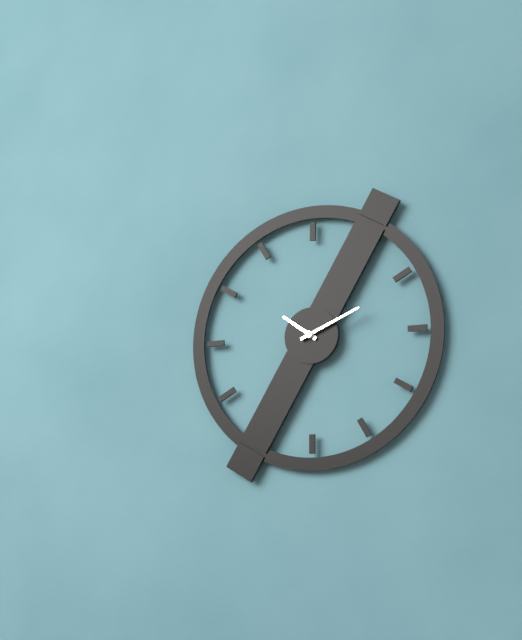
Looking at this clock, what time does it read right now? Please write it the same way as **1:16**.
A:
**10:11**
